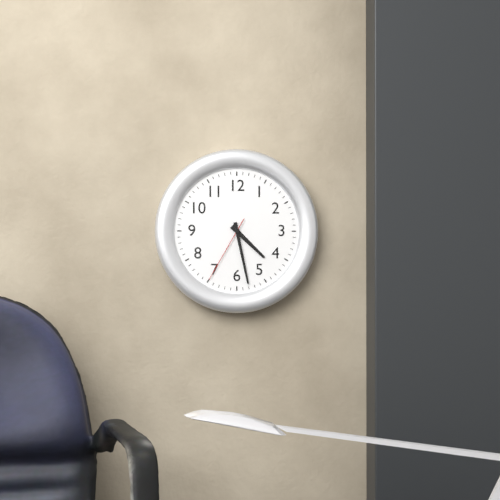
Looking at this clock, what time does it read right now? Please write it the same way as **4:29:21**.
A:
**4:28:35**
